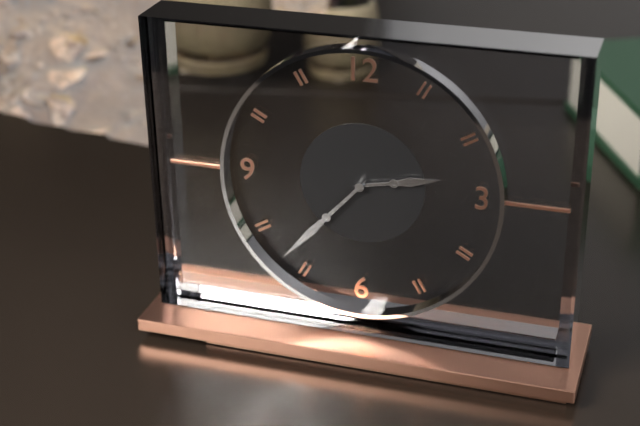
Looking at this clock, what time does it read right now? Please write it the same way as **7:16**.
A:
**2:37**
